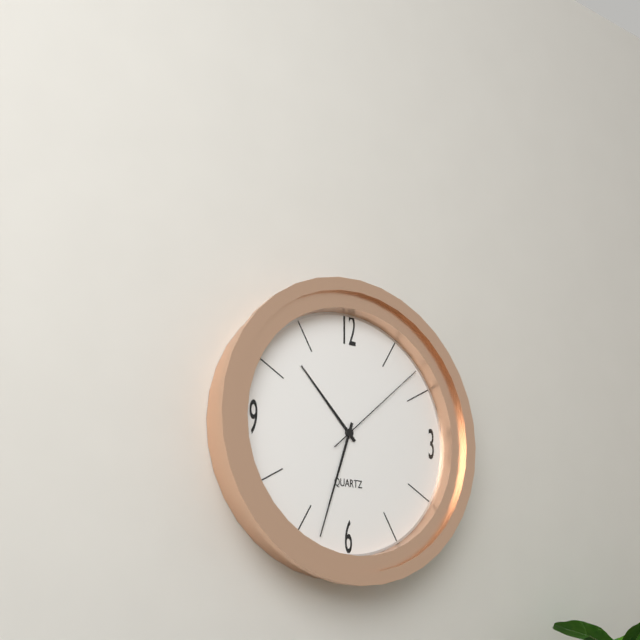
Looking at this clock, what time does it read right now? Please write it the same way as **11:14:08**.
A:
**10:33:08**
